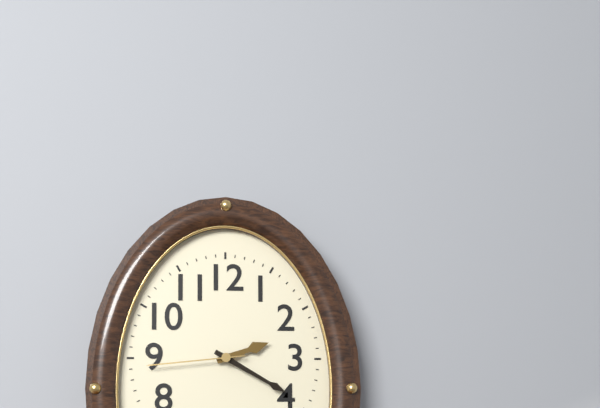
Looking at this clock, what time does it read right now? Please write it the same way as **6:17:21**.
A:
**2:20:44**
